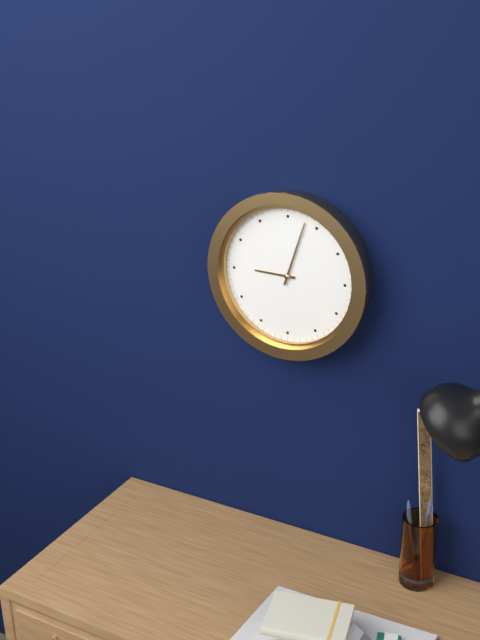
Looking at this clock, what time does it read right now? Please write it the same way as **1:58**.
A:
**9:03**
